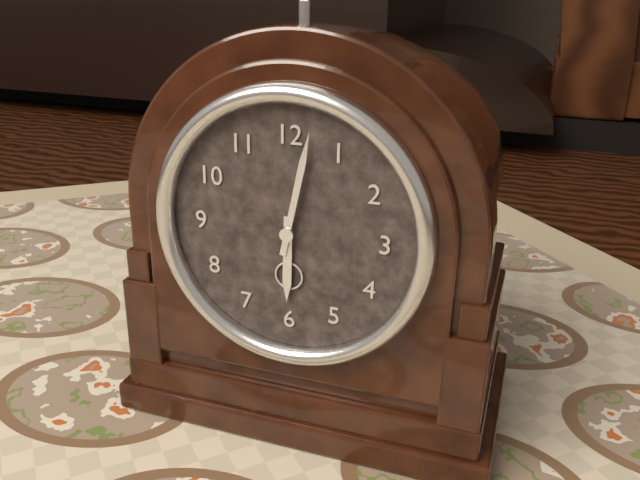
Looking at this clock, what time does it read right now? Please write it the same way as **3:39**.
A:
**6:02**
